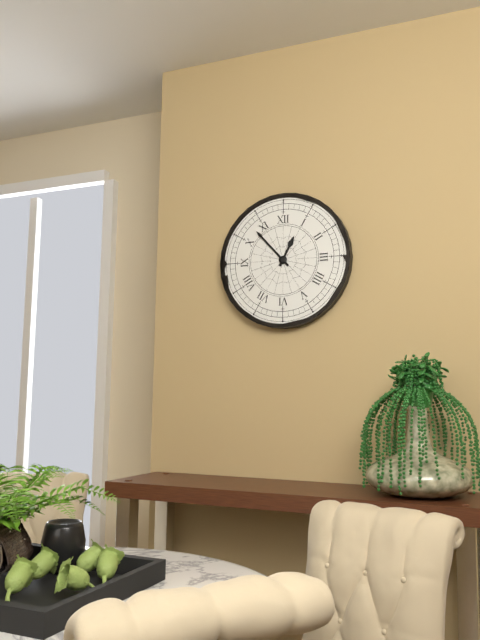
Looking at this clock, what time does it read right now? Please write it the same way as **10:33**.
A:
**12:53**
